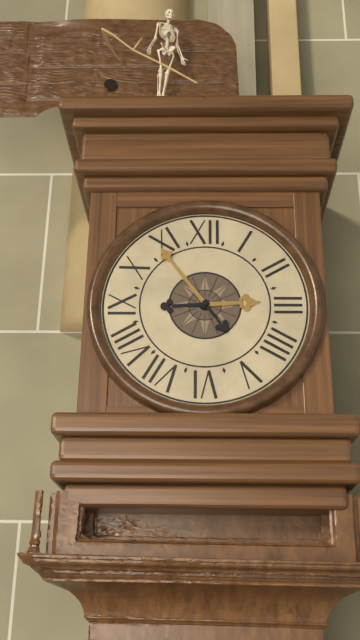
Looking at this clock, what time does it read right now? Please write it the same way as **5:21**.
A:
**2:54**
